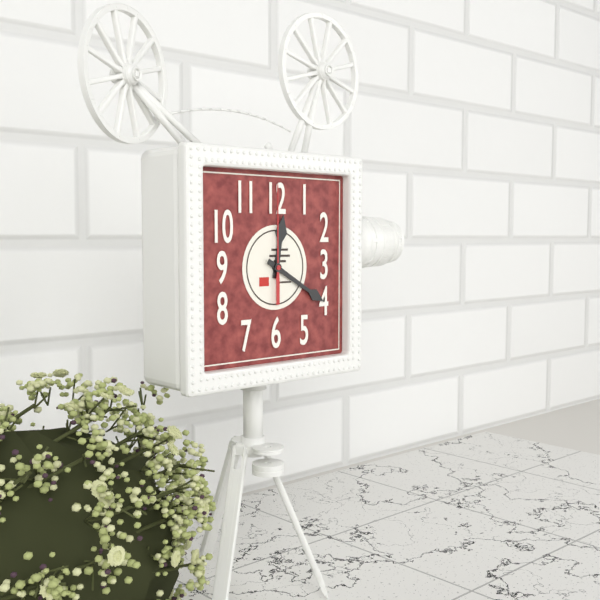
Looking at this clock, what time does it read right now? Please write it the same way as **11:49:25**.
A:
**12:20:00**
